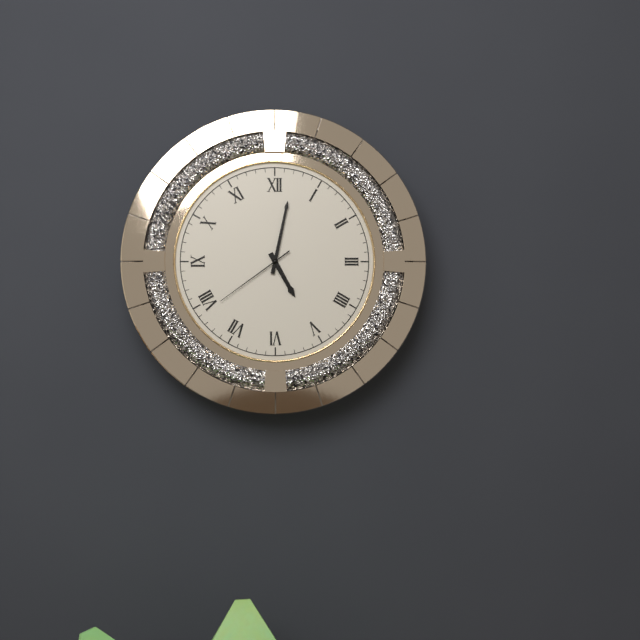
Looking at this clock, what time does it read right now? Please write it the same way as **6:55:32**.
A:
**5:02:39**
